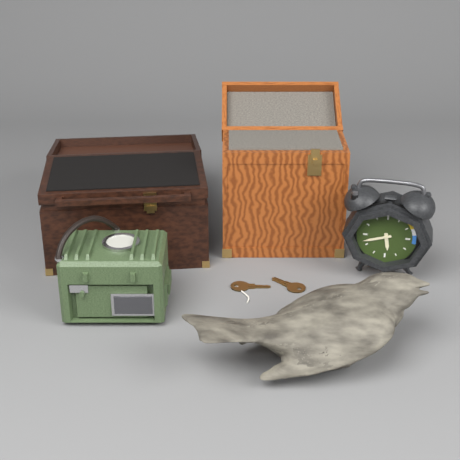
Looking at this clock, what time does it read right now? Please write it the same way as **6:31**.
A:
**5:42**
